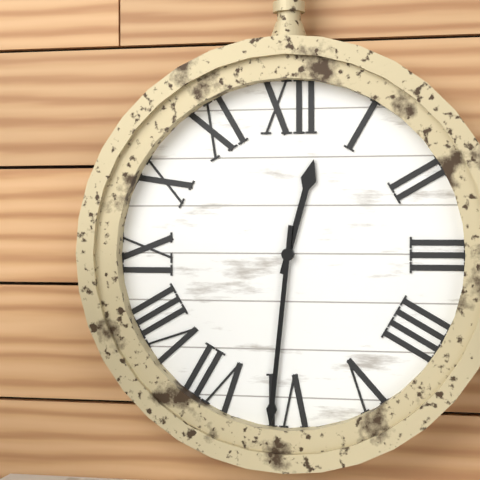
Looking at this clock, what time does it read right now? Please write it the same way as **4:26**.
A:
**12:31**
